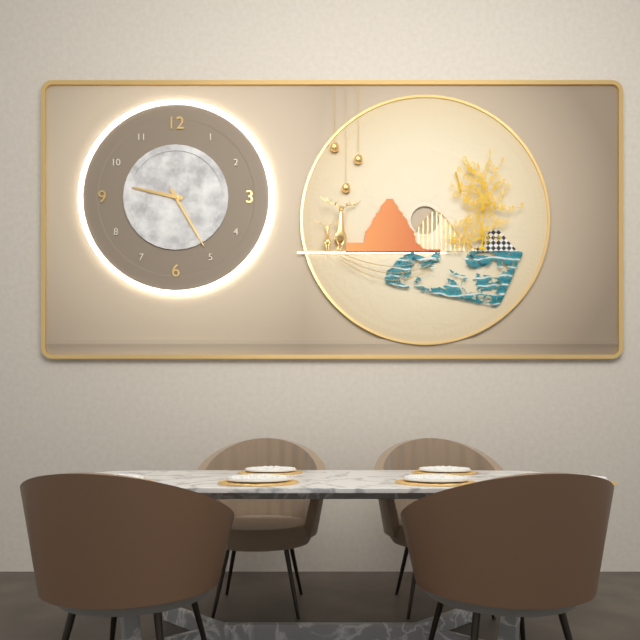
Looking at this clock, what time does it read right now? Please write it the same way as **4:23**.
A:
**9:25**
